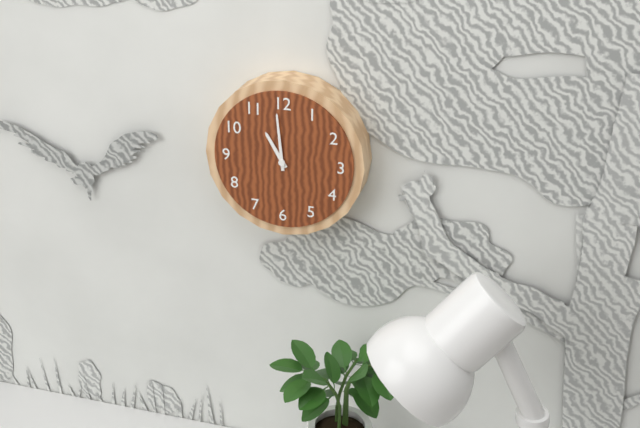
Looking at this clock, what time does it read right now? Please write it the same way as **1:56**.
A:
**10:59**
